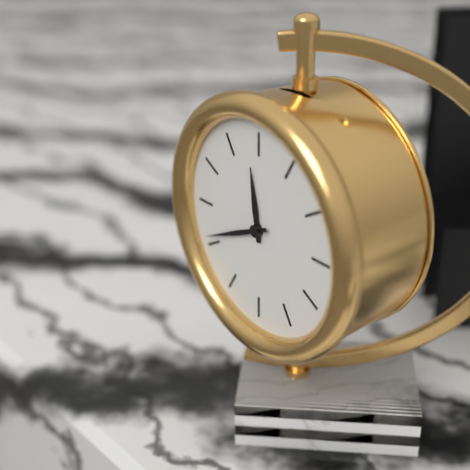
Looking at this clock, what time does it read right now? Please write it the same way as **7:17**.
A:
**11:41**
